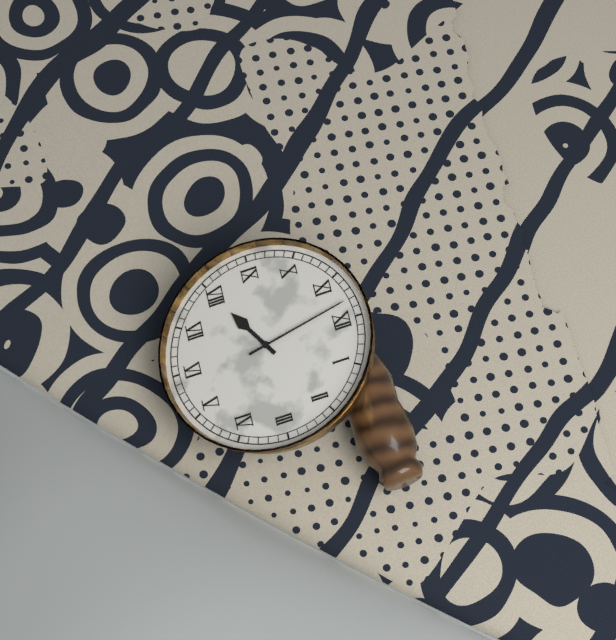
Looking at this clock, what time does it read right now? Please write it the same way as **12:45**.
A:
**7:58**
